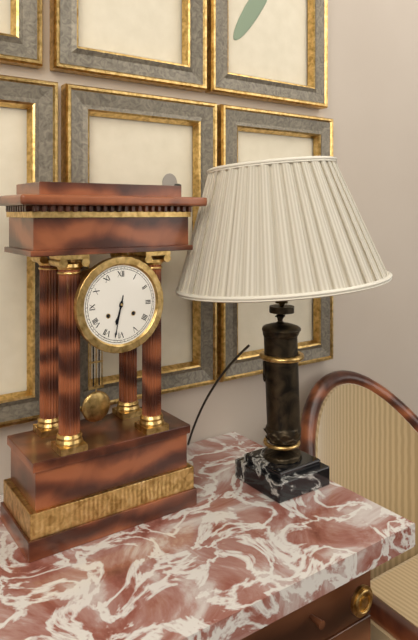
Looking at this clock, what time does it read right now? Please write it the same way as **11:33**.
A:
**6:32**
